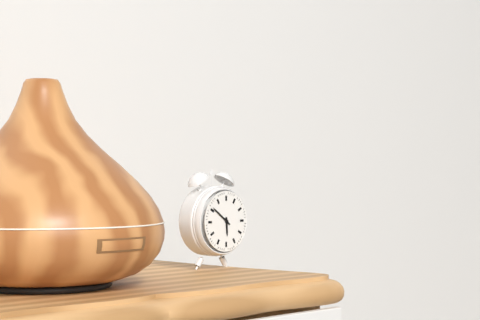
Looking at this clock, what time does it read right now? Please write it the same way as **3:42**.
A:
**5:51**
